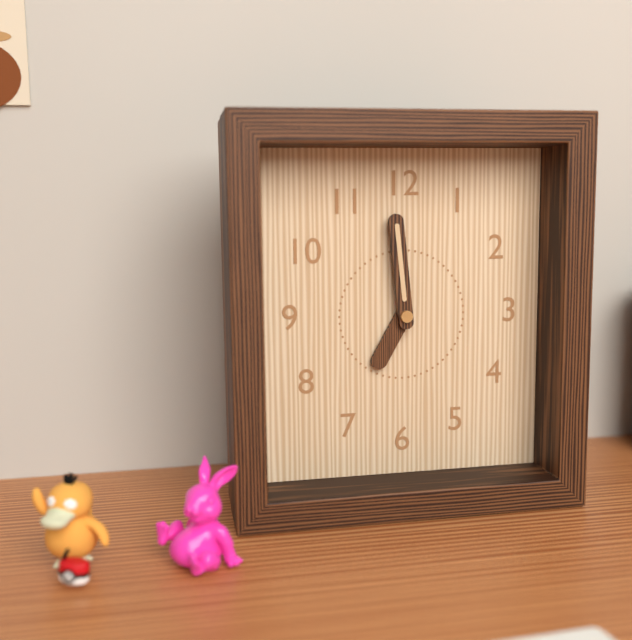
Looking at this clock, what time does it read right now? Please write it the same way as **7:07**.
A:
**6:59**
